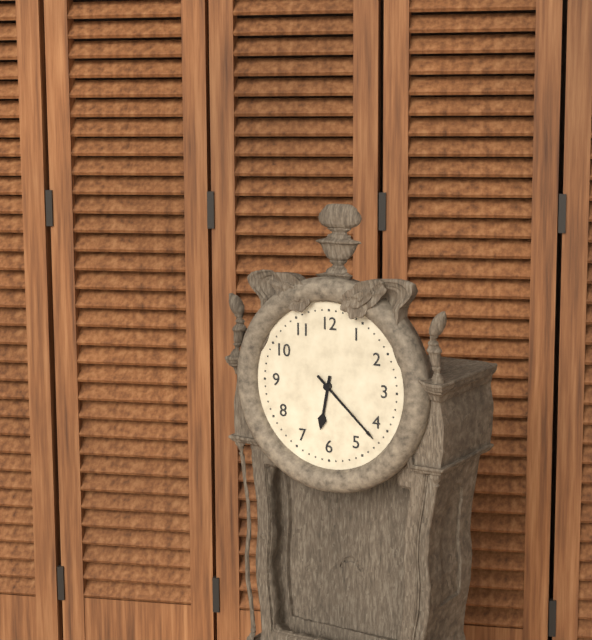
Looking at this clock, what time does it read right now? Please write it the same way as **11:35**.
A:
**6:22**
